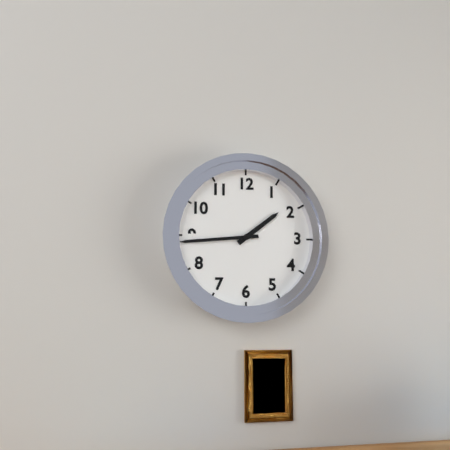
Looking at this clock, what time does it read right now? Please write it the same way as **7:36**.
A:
**1:44**
